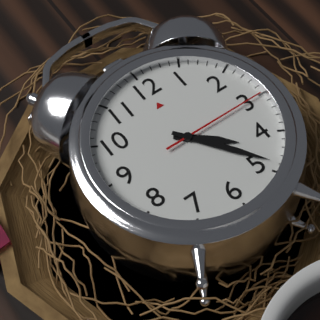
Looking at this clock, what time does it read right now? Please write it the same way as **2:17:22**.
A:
**4:24:15**
